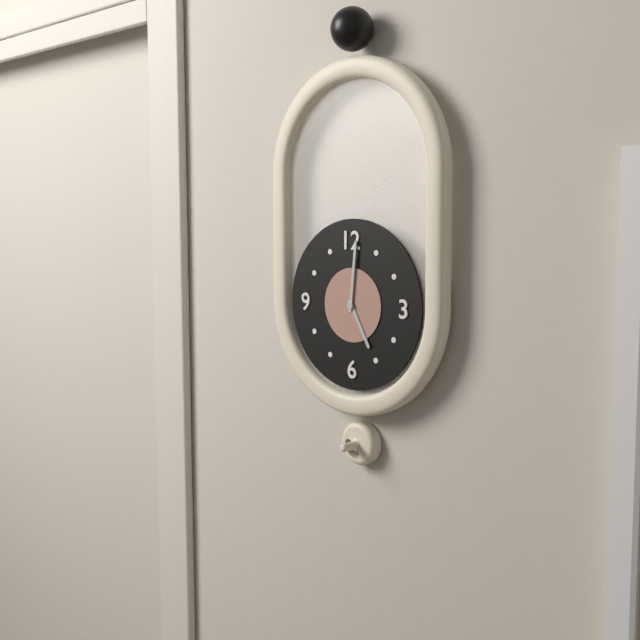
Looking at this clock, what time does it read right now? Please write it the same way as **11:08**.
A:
**5:01**
